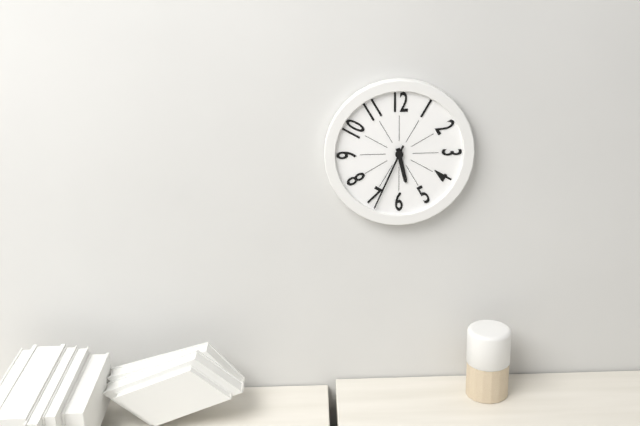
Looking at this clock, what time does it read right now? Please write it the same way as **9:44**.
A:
**5:34**
